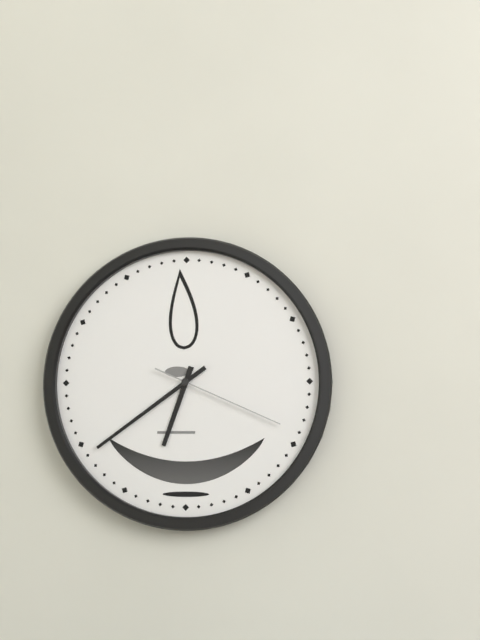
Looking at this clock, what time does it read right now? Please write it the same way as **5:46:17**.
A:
**6:39:19**
